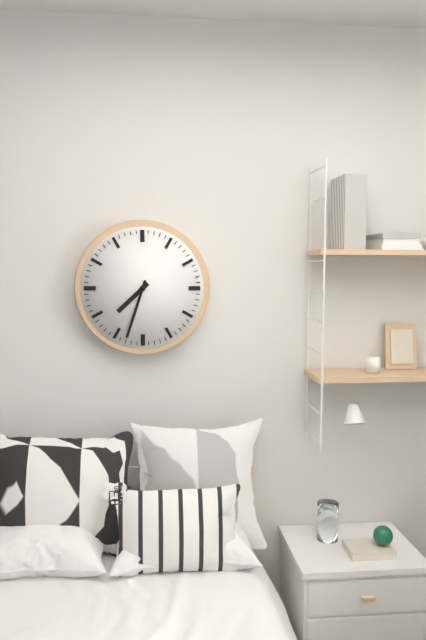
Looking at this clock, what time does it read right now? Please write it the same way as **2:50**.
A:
**7:33**
